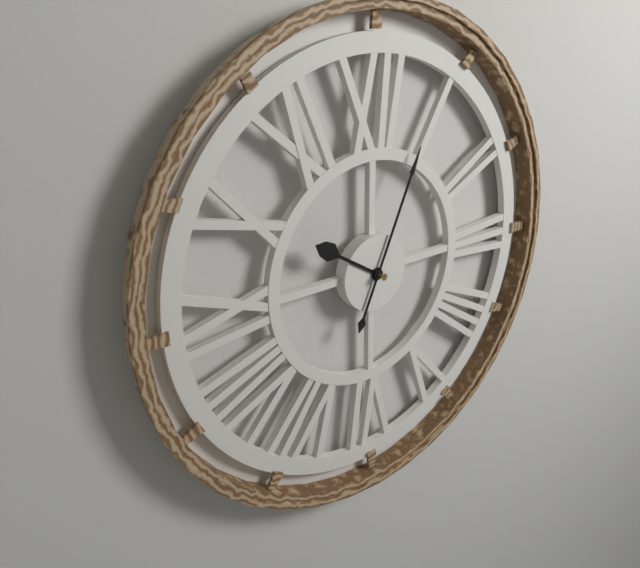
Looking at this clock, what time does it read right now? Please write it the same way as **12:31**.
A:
**10:04**
